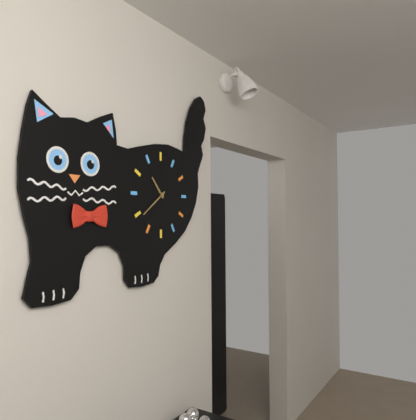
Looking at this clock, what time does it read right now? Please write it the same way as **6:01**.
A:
**10:39**
